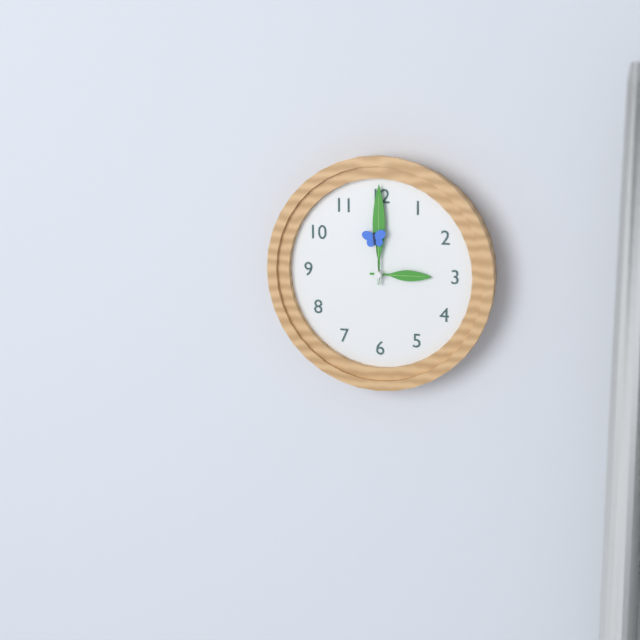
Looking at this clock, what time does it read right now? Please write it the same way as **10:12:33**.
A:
**3:00:59**
